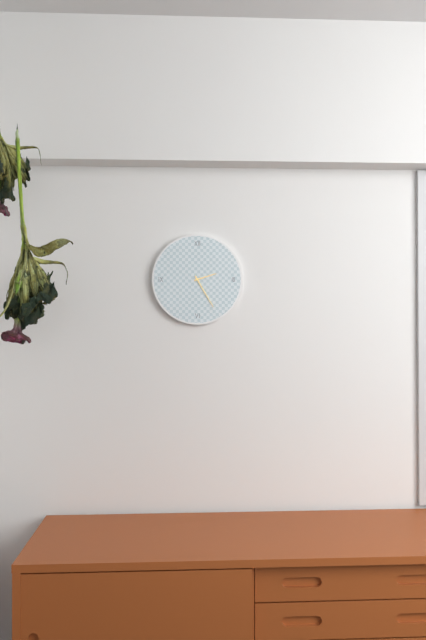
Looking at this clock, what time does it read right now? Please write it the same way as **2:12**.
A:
**2:25**
